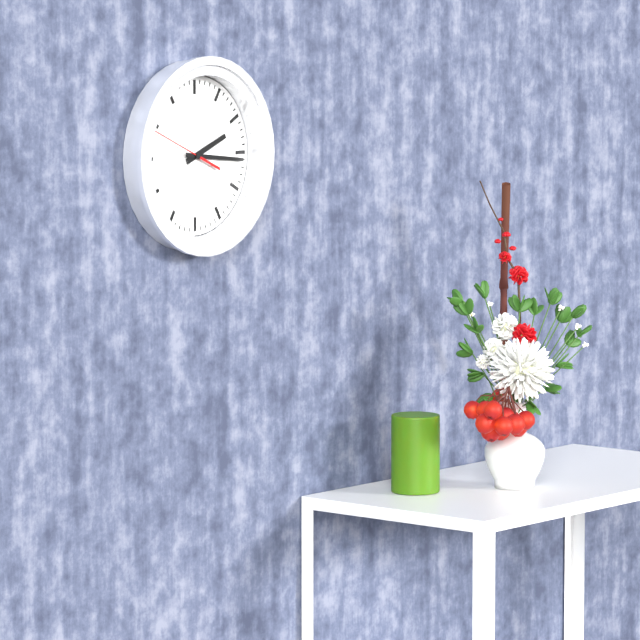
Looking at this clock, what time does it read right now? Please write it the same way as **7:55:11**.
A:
**2:16:49**
